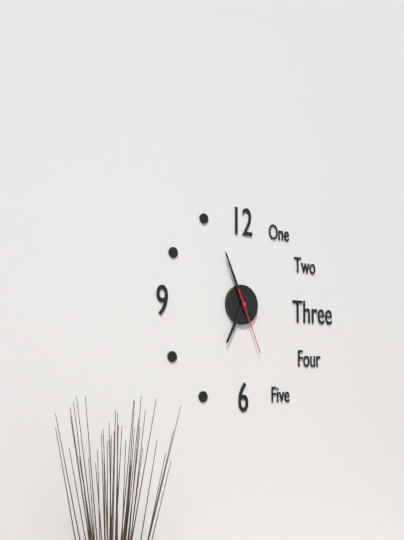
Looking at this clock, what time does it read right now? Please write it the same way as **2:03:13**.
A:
**6:56:26**
